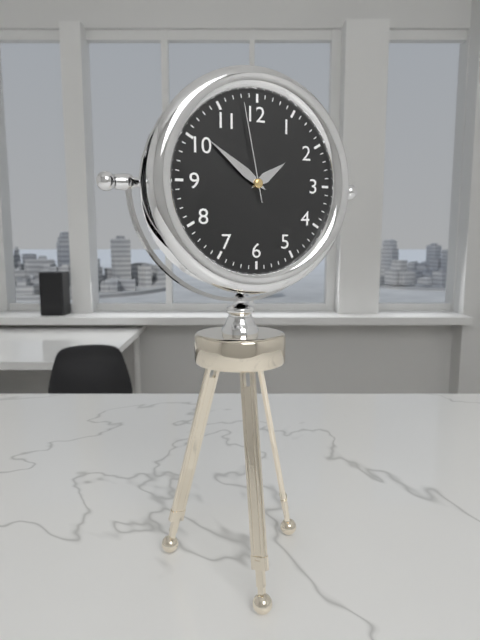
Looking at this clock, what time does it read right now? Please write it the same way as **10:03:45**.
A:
**1:51:58**
